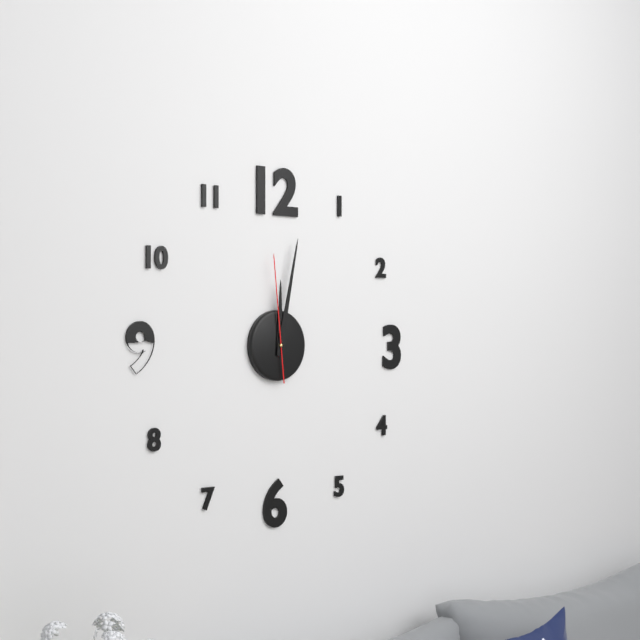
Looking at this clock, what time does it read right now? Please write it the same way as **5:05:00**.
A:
**12:02:59**
